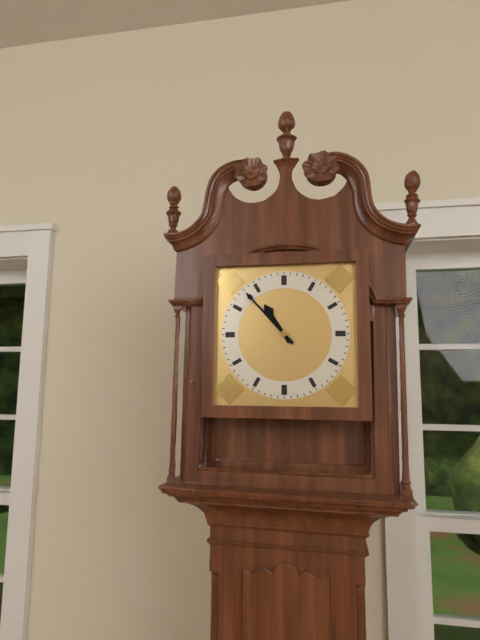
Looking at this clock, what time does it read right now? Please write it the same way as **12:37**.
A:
**10:53**
